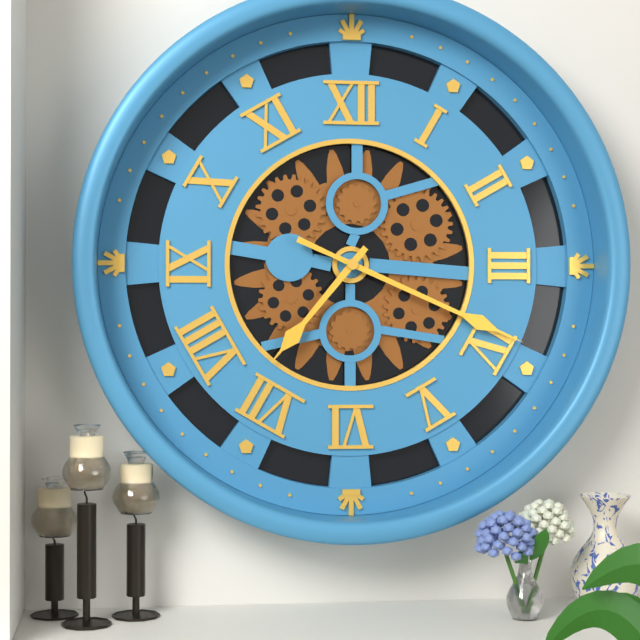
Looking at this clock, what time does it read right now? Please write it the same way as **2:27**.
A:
**7:19**
